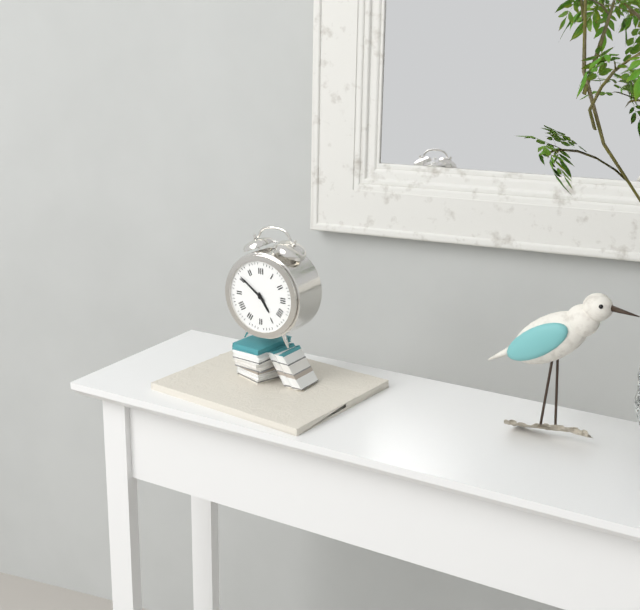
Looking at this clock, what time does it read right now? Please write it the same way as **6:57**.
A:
**4:51**
